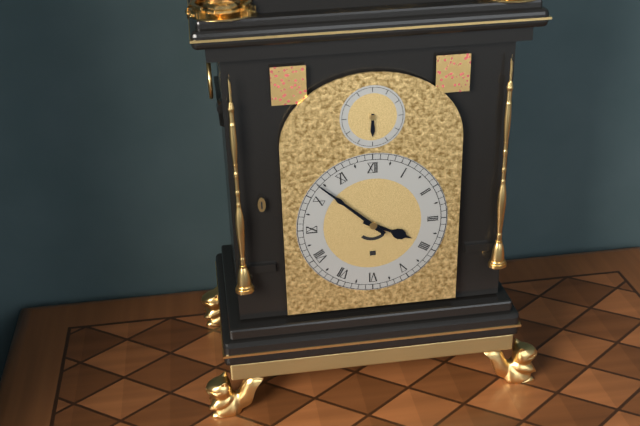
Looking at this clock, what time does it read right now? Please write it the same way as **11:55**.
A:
**3:52**
